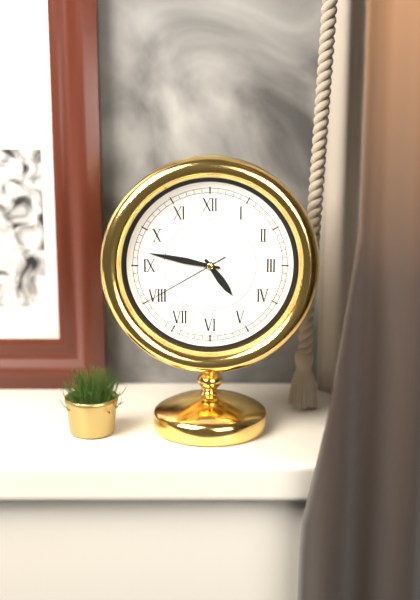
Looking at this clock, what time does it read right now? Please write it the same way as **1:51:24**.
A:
**4:47:40**
